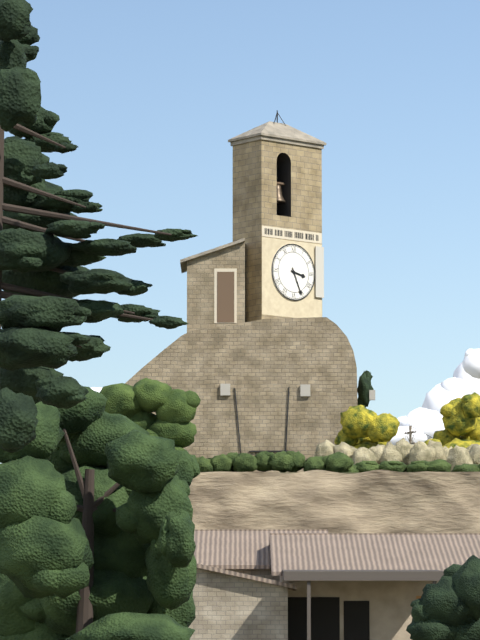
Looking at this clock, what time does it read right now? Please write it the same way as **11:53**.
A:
**3:26**
